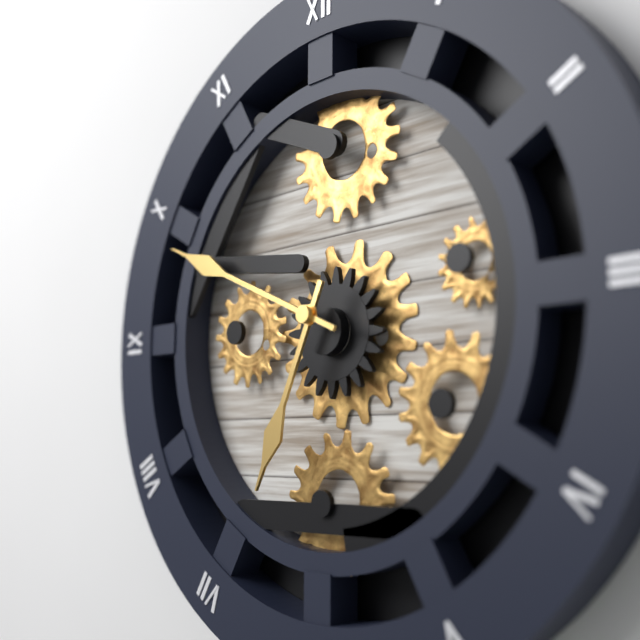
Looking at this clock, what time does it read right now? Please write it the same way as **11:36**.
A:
**6:49**
